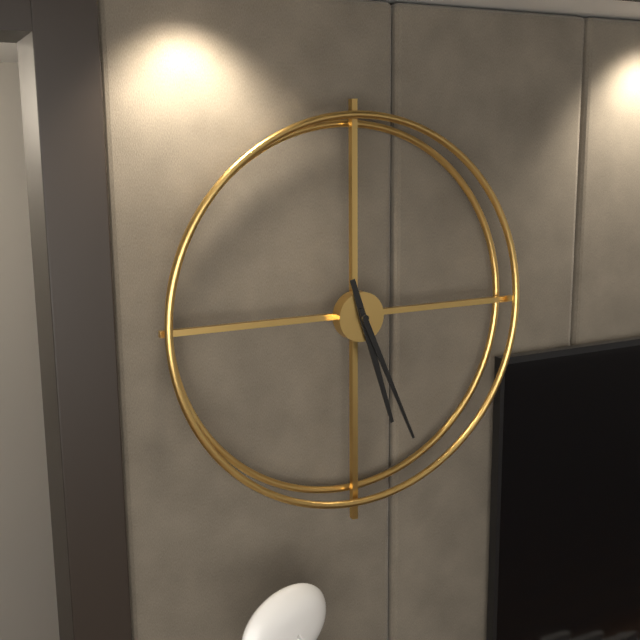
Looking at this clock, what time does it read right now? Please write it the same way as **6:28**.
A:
**5:26**
